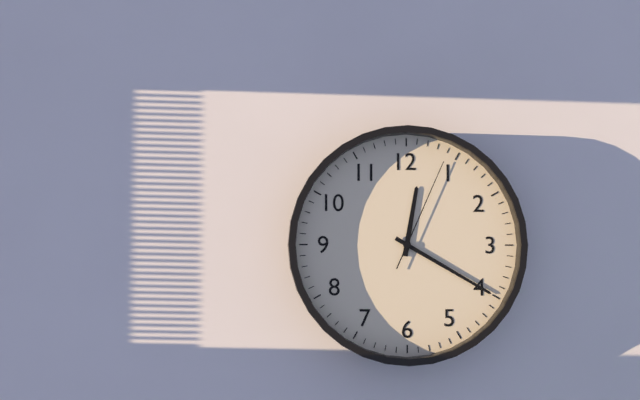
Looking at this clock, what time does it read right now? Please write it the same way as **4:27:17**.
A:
**12:20:04**
